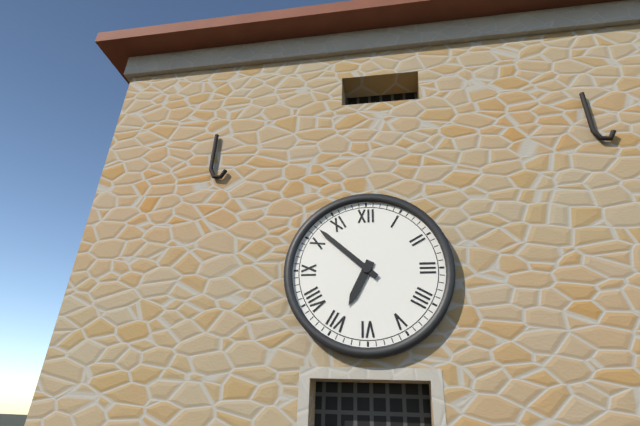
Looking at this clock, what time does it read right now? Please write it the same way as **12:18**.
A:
**6:52**
